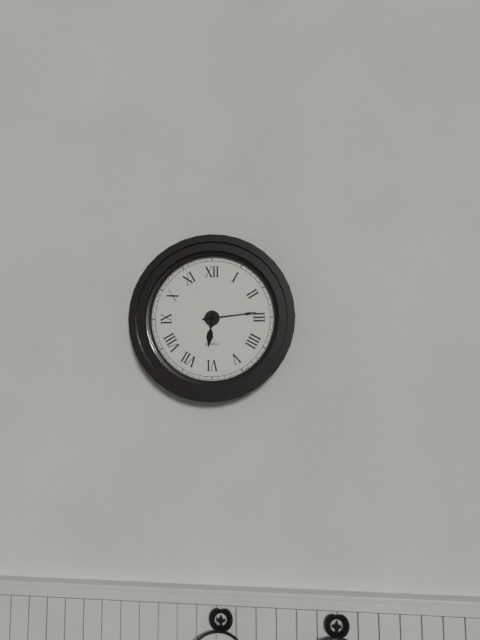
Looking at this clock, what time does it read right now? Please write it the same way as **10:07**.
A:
**6:14**
